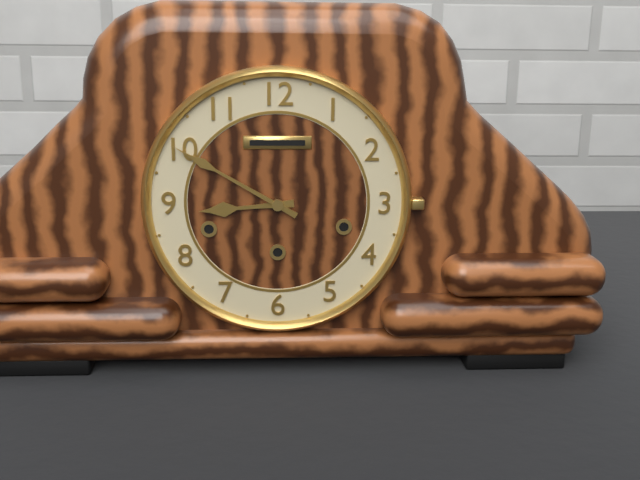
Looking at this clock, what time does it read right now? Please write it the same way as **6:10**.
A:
**8:50**
